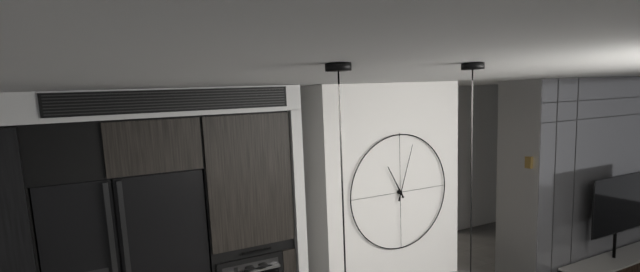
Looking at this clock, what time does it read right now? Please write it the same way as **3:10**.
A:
**11:03**
